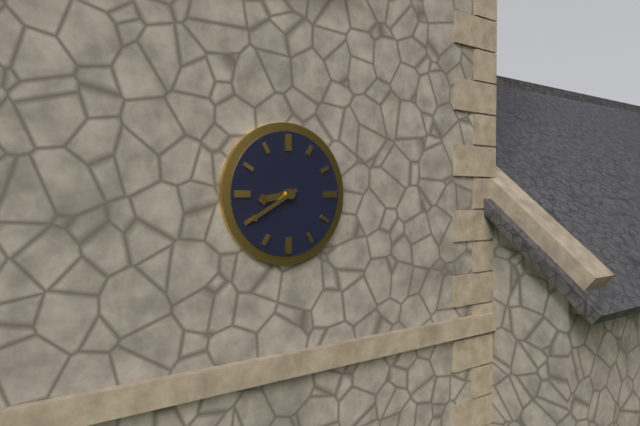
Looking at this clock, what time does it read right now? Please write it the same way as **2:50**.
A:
**8:40**
